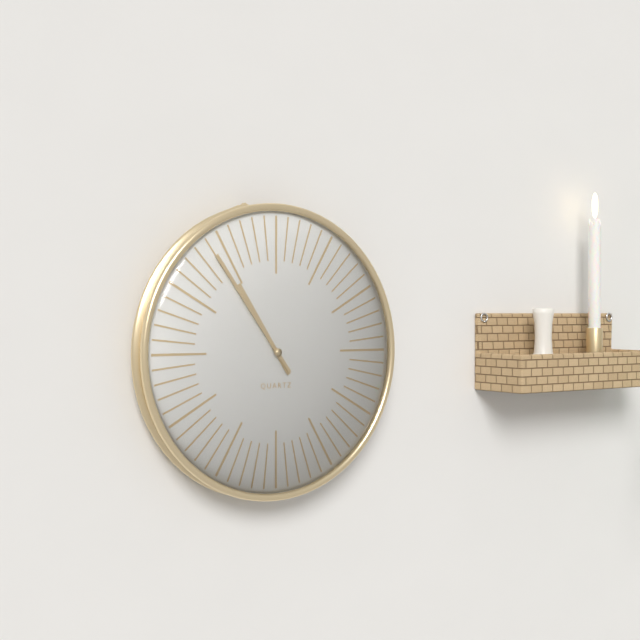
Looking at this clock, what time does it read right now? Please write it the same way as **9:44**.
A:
**10:54**
